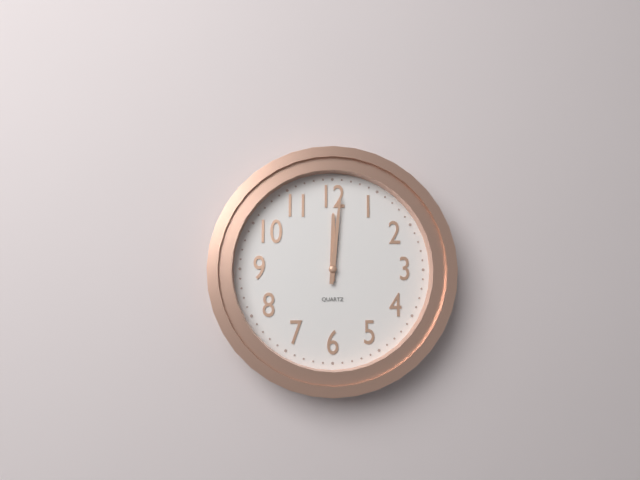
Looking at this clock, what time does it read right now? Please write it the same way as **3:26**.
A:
**12:01**
